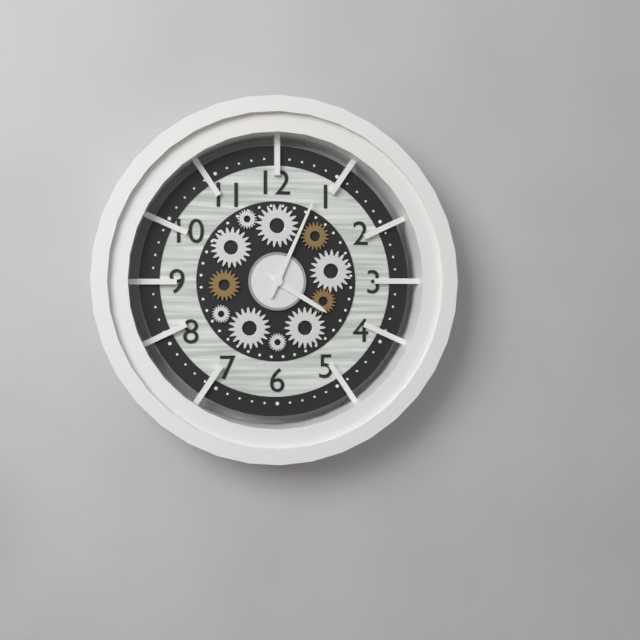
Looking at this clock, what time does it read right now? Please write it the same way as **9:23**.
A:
**4:04**
